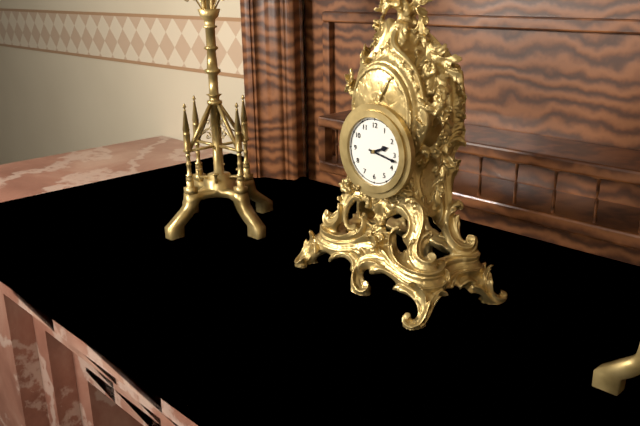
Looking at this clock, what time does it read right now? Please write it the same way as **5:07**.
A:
**2:17**
